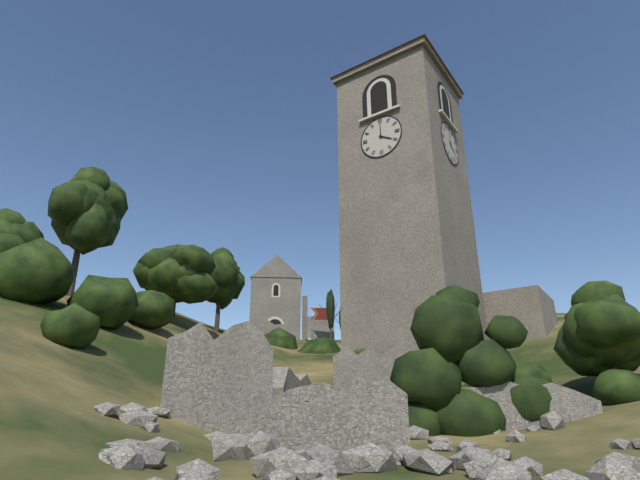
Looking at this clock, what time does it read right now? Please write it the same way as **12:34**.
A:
**4:00**
